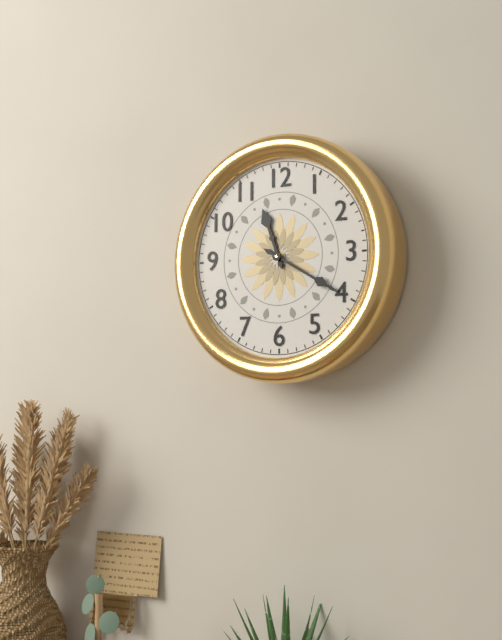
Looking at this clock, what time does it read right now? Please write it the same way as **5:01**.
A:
**11:20**
